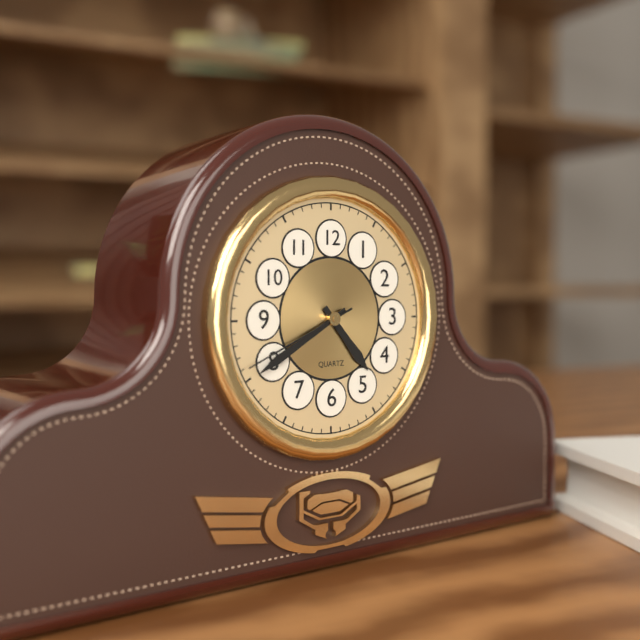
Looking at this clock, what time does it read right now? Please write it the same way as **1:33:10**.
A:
**4:40:41**
